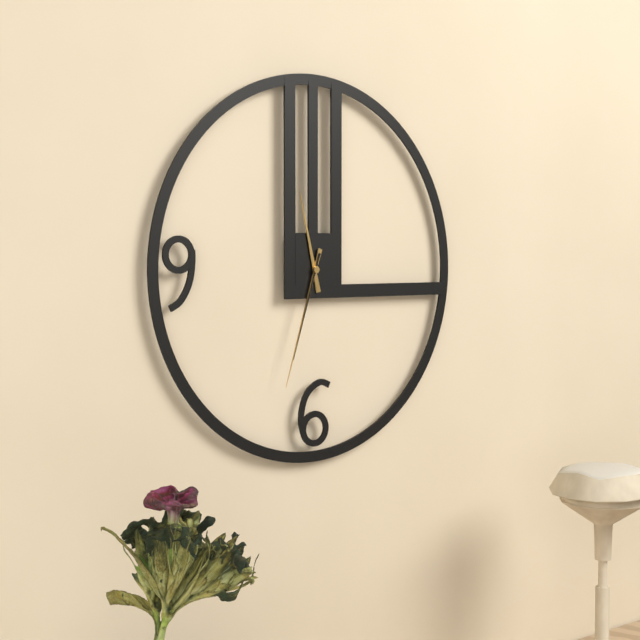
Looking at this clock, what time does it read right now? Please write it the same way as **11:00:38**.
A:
**11:33:33**
